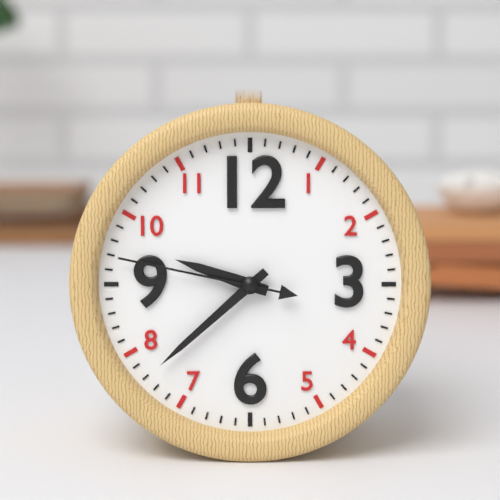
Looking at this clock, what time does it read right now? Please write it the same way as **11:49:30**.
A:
**9:38:47**
